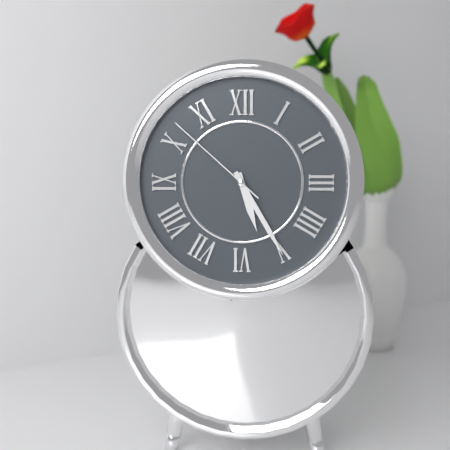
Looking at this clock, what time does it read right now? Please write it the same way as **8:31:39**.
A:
**5:25:52**
